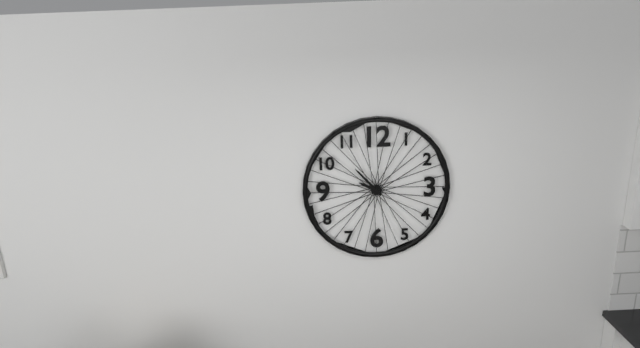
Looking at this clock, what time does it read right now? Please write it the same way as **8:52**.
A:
**9:53**
